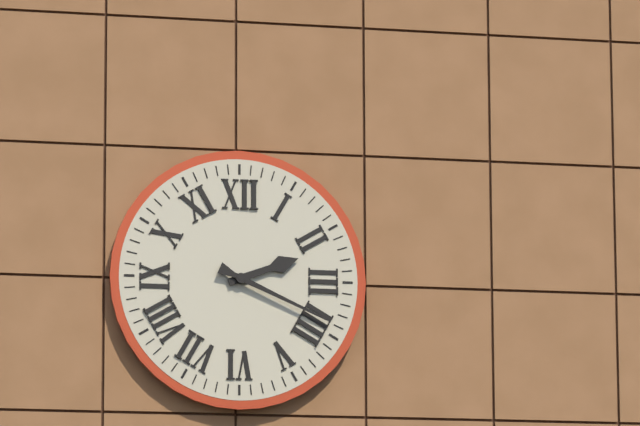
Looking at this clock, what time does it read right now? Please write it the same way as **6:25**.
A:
**2:19**
